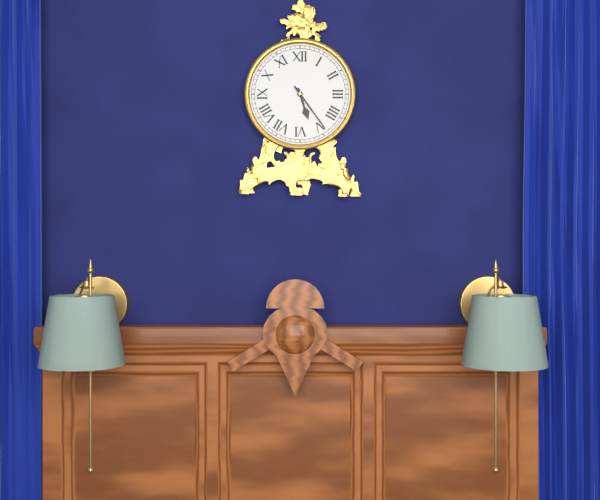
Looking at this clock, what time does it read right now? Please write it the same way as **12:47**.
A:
**5:24**
